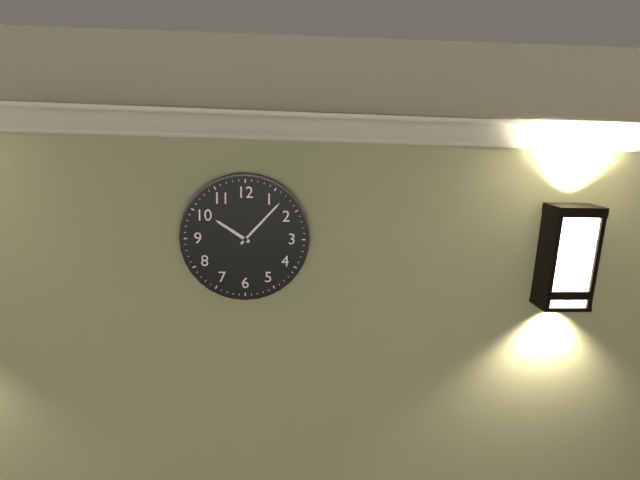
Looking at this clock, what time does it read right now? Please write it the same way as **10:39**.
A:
**10:07**
